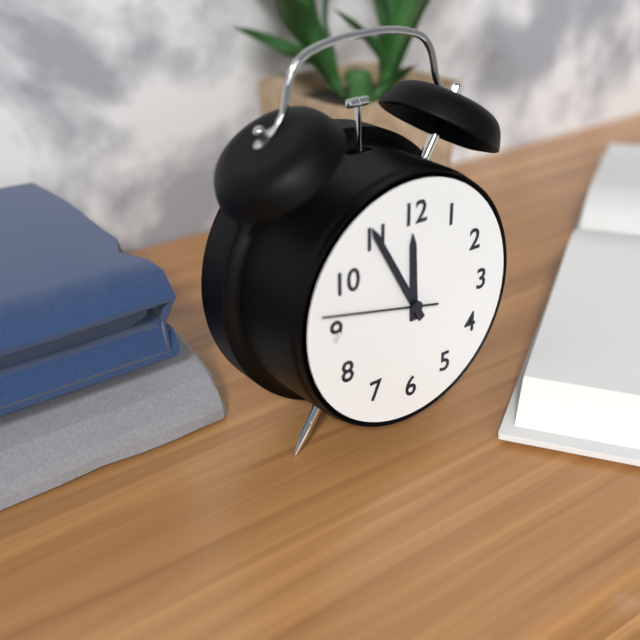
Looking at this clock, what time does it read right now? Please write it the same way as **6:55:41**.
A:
**11:55:47**
